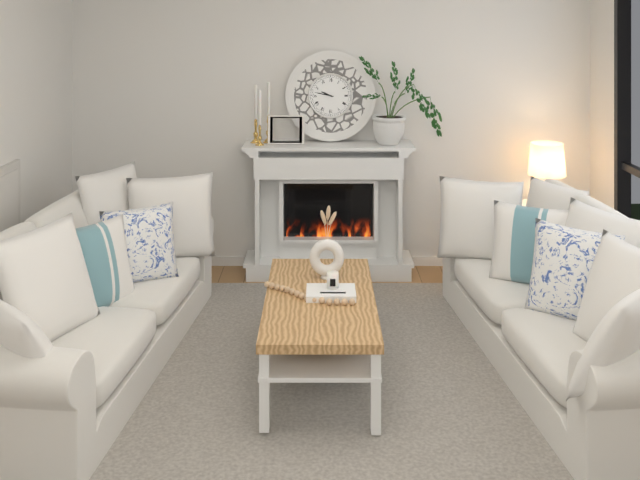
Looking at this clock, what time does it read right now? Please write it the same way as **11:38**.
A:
**9:47**
